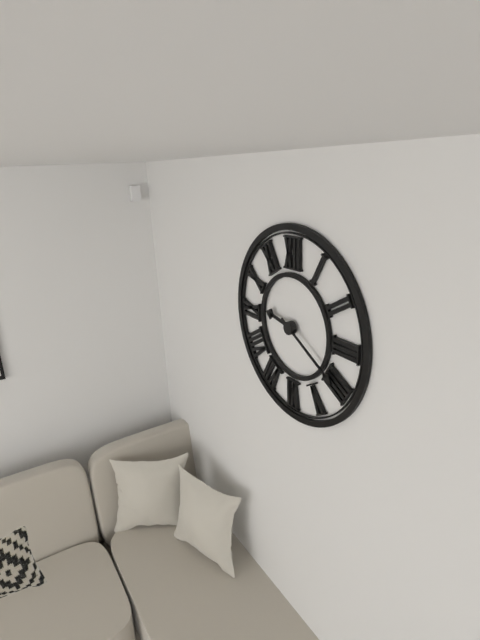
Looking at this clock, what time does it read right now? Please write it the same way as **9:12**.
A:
**9:20**
